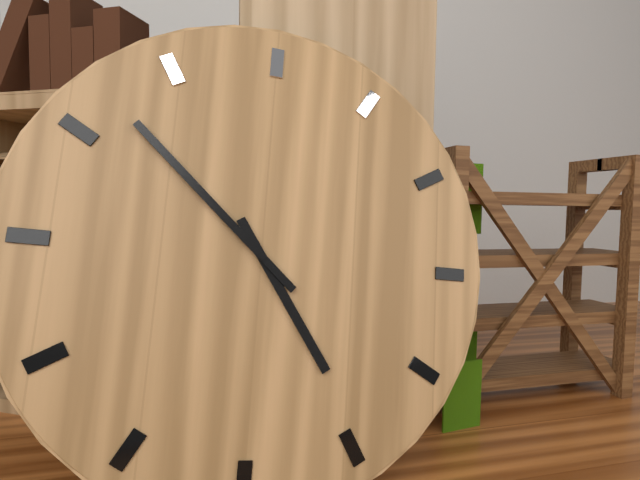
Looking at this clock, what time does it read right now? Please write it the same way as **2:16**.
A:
**4:52**
